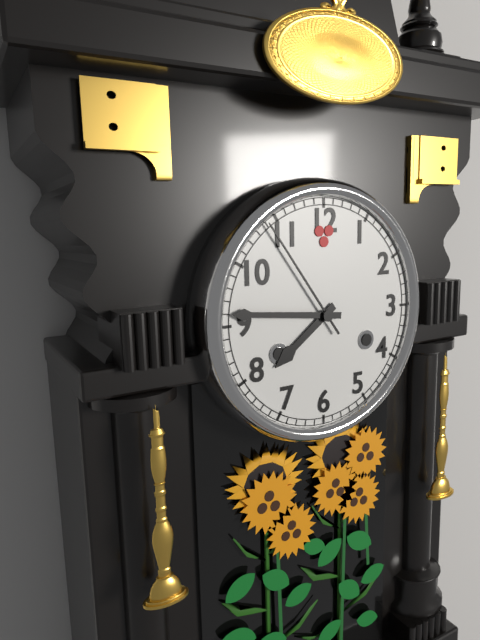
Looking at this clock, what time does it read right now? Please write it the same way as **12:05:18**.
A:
**7:46:54**
